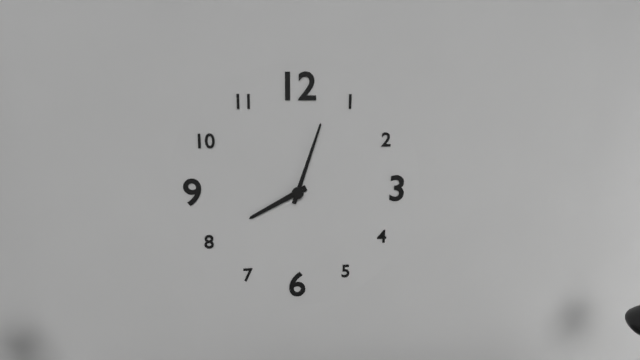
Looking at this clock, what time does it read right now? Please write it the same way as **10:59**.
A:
**8:03**
